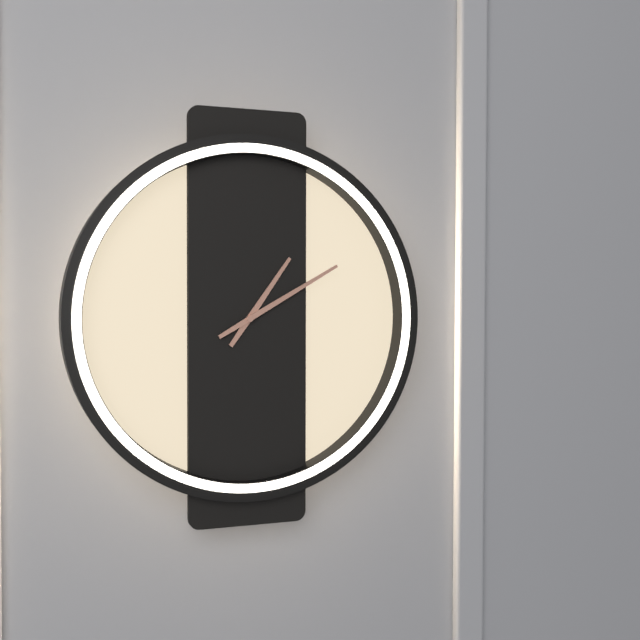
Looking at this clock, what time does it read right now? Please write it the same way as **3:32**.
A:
**1:10**
